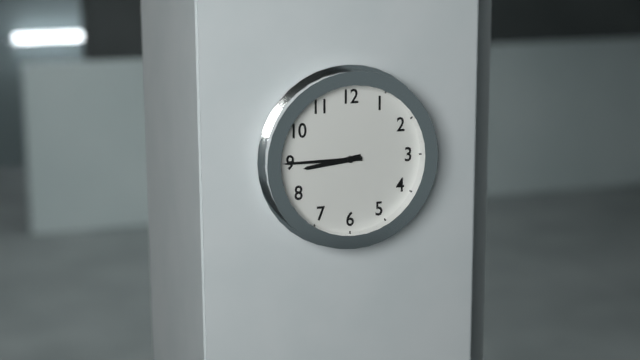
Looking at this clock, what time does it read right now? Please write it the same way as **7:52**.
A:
**8:45**
